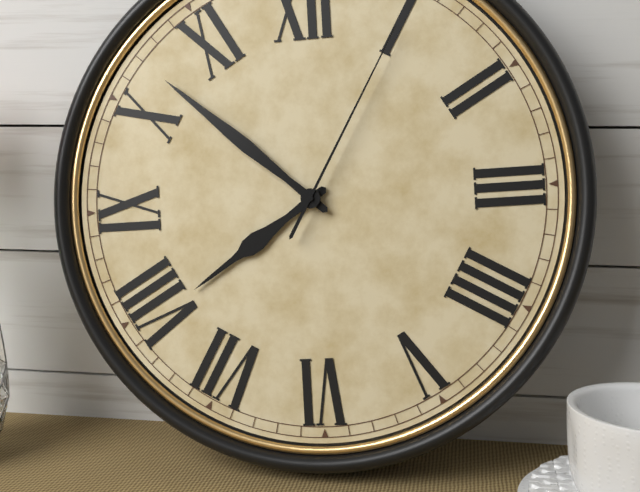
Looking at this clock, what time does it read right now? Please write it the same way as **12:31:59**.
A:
**7:52:05**
